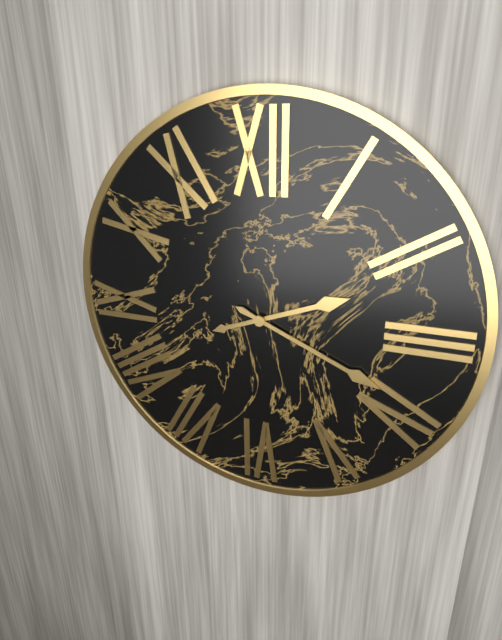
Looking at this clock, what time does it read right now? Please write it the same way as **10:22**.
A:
**2:19**
